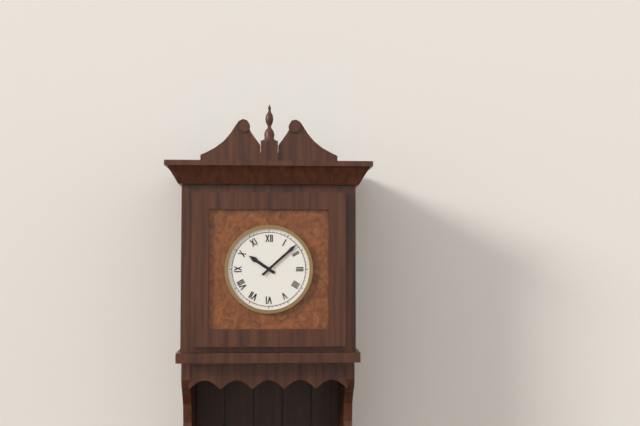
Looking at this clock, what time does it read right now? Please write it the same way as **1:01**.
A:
**10:08**
